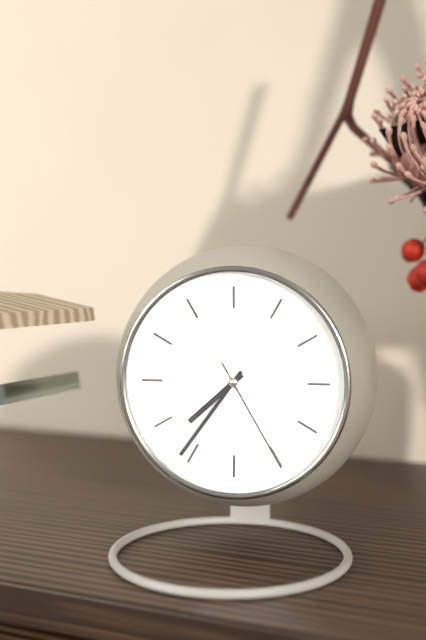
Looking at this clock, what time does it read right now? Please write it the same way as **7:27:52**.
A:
**7:36:25**
